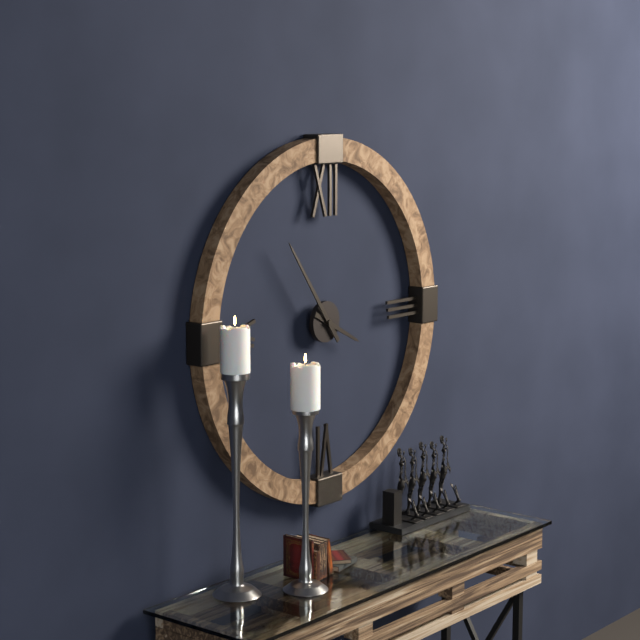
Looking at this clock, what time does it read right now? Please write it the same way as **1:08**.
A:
**3:54**
